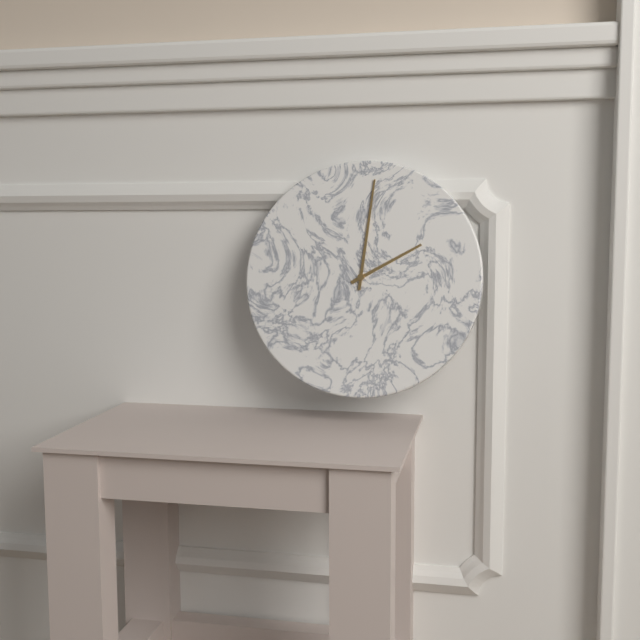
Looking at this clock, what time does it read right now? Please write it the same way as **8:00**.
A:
**2:01**
